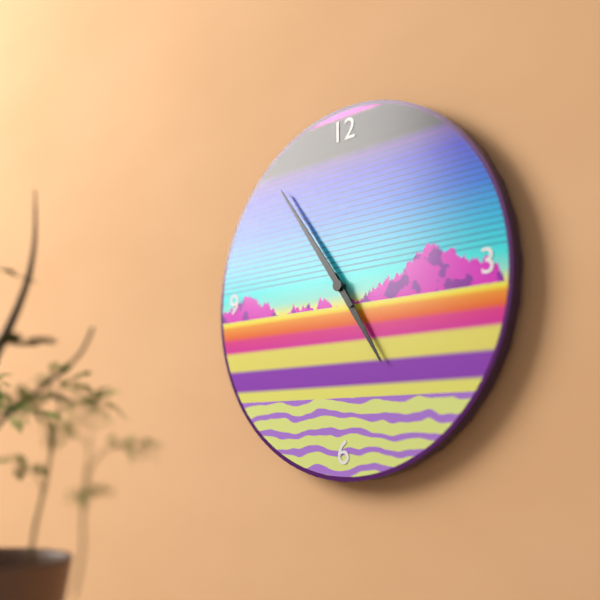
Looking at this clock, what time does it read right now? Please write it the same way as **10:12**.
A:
**4:54**
